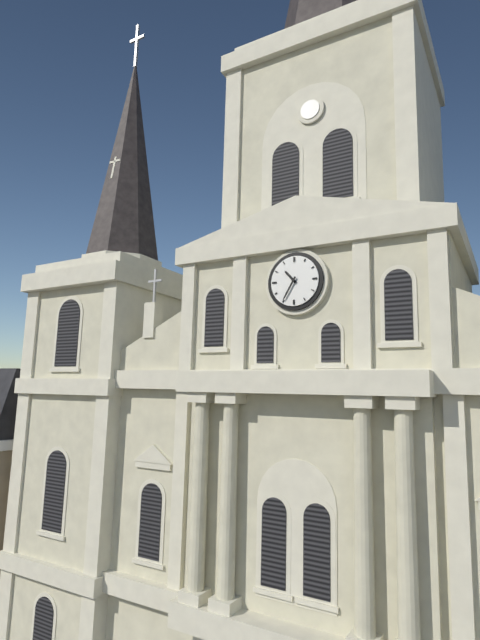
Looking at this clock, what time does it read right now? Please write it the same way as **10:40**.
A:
**10:35**
